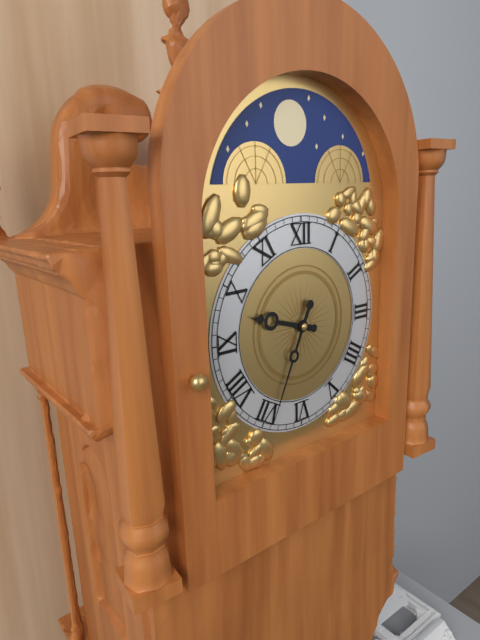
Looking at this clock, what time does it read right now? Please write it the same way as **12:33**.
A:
**9:34**
